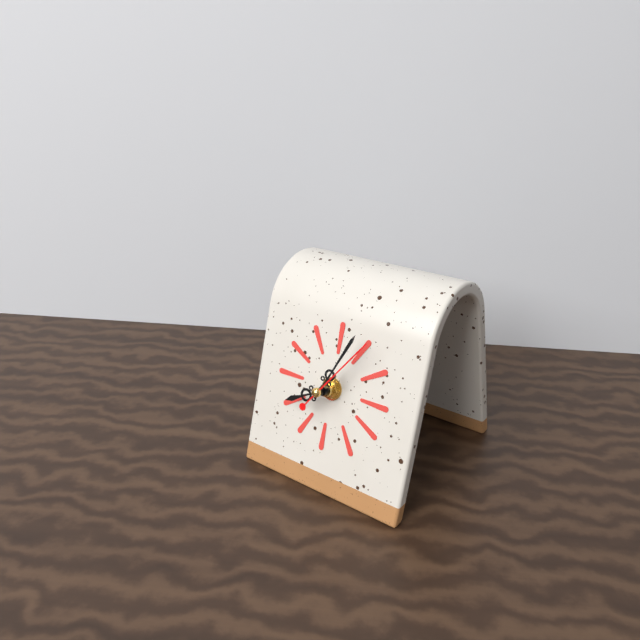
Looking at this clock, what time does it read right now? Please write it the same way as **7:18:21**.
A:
**8:04:06**
